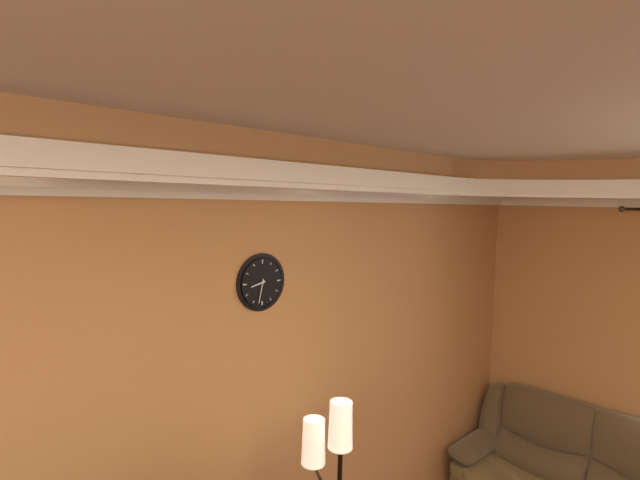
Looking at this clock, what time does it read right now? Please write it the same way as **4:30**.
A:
**8:32**
